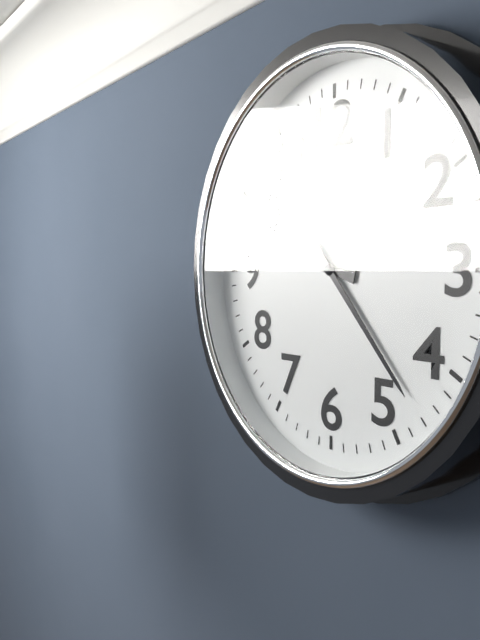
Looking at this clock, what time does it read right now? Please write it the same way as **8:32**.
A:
**9:23**
